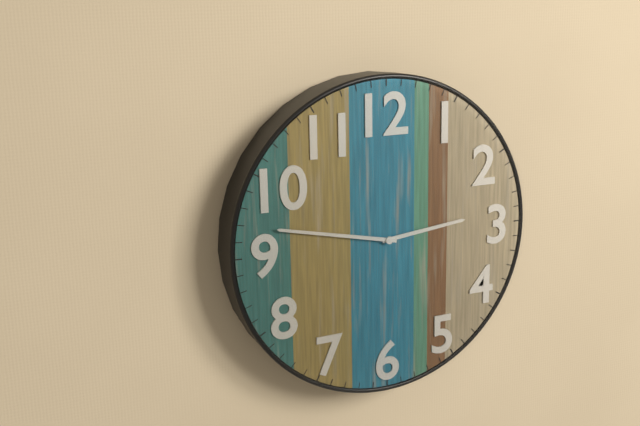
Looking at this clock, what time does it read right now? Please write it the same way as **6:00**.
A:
**2:47**
